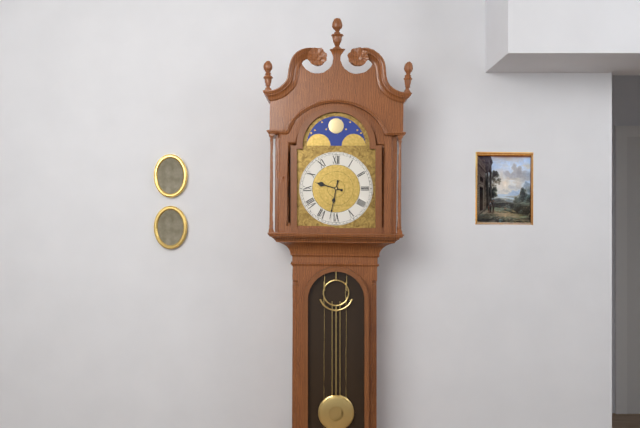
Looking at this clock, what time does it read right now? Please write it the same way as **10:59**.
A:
**9:32**
